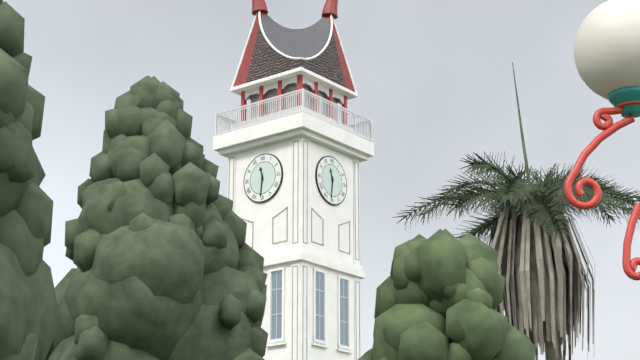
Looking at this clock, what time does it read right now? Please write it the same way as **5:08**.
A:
**11:31**
